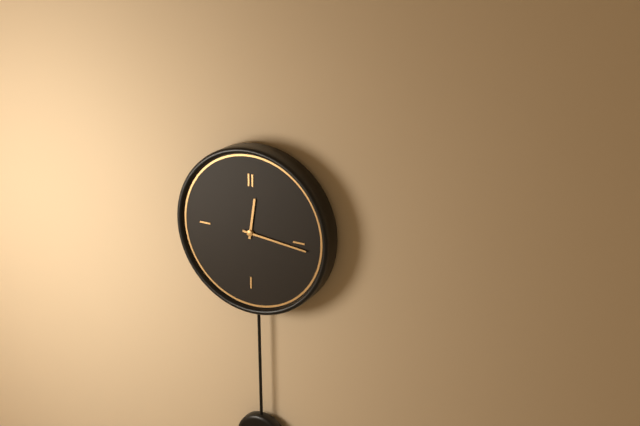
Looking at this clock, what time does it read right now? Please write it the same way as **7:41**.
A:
**12:16**
